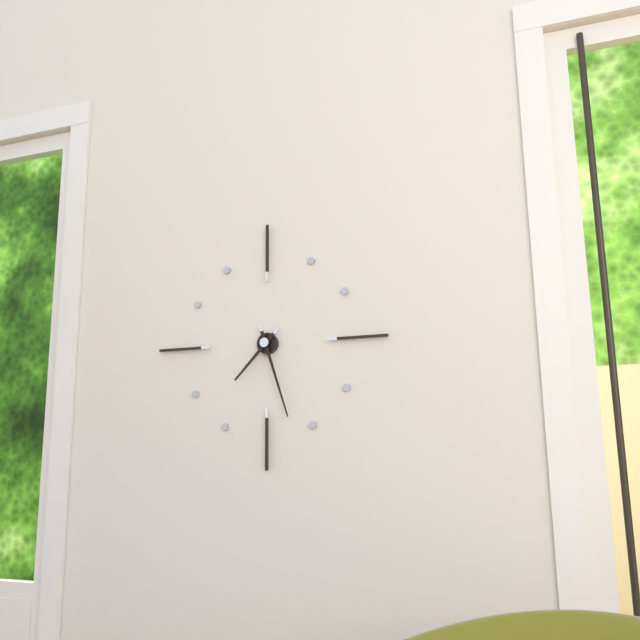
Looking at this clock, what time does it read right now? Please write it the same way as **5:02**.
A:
**7:27**
